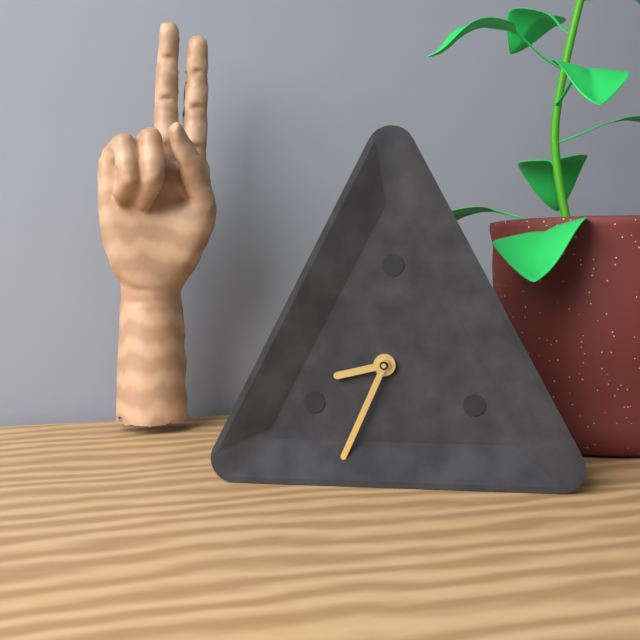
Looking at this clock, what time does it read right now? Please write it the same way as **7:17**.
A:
**8:34**
